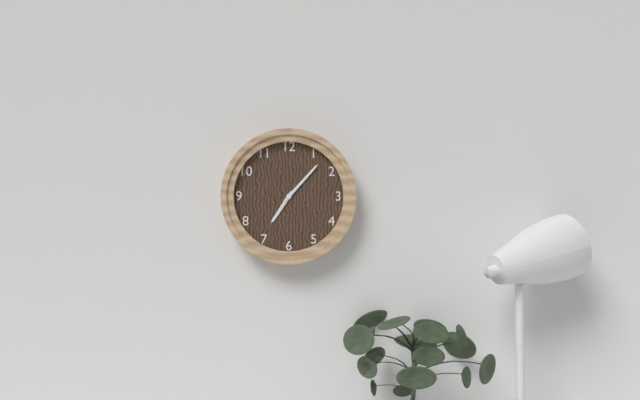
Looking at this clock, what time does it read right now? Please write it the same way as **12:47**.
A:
**7:07**
